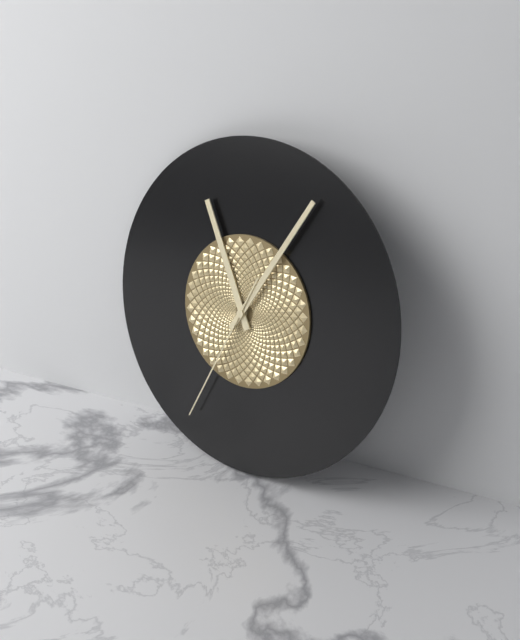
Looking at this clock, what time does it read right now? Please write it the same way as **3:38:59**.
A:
**11:05:34**
